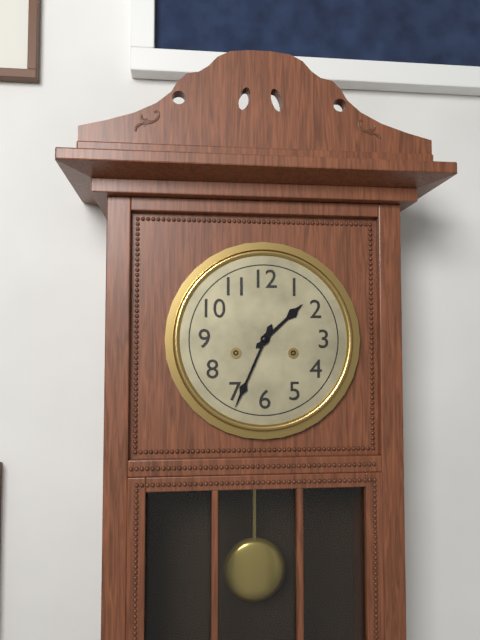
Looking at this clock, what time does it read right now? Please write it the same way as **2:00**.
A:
**1:34**
